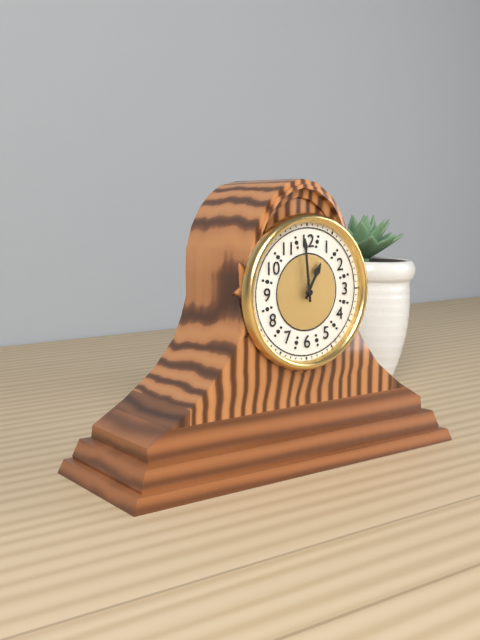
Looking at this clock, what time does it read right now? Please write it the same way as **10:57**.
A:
**12:59**
